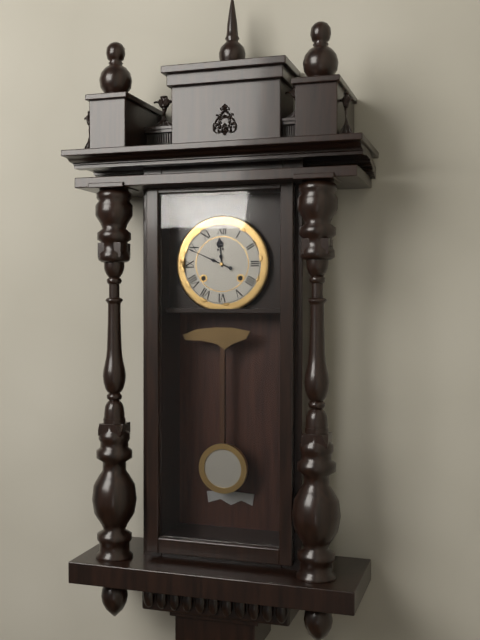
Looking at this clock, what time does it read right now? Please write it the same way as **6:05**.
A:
**11:49**
